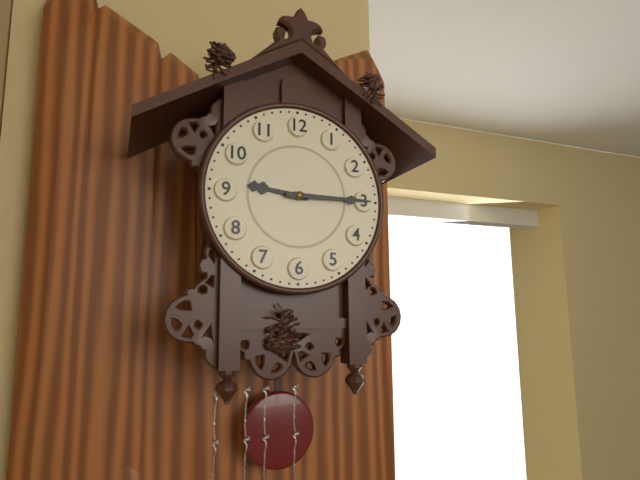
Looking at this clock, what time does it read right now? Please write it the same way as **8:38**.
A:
**9:15**
